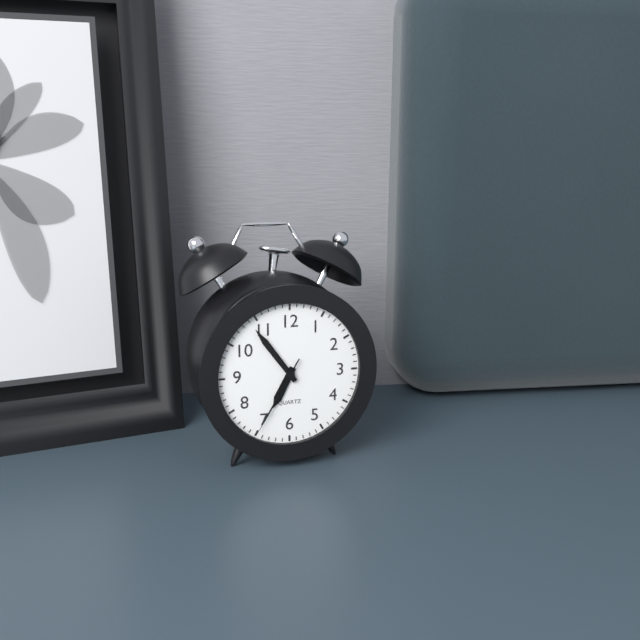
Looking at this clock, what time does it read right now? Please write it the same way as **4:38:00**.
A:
**6:54:35**
